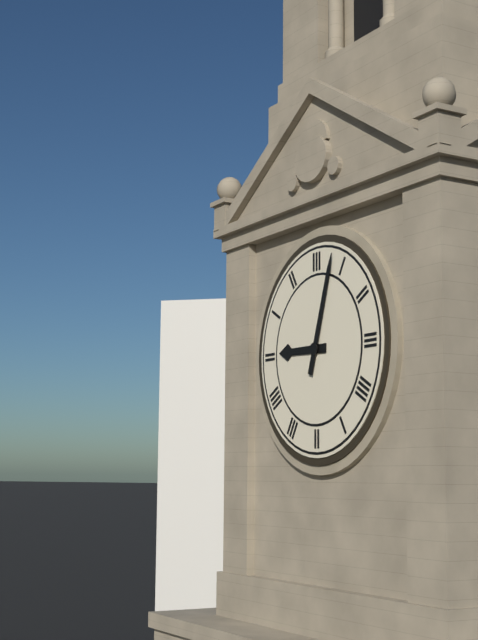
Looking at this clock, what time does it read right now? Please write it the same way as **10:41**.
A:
**9:03**
